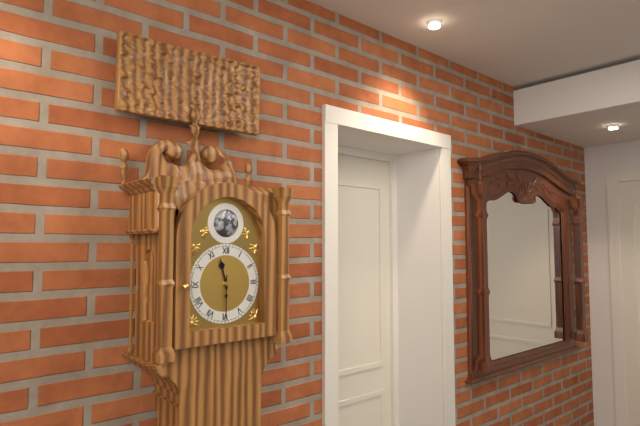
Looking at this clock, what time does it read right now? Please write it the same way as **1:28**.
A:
**11:30**
